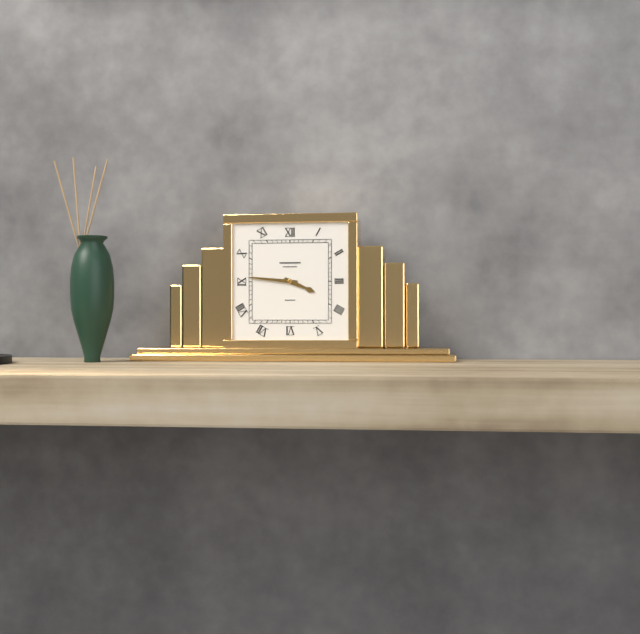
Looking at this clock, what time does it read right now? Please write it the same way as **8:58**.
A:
**3:46**
